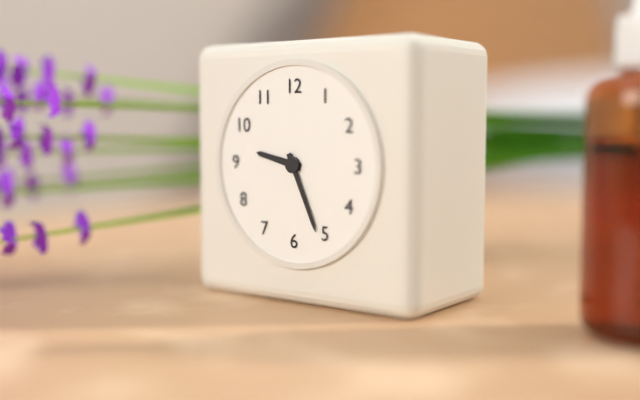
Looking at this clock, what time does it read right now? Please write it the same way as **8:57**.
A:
**9:26**
